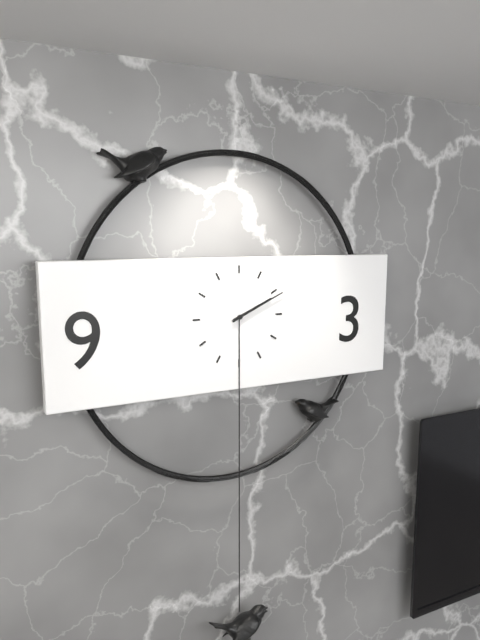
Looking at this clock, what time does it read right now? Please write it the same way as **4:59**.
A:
**2:11**
